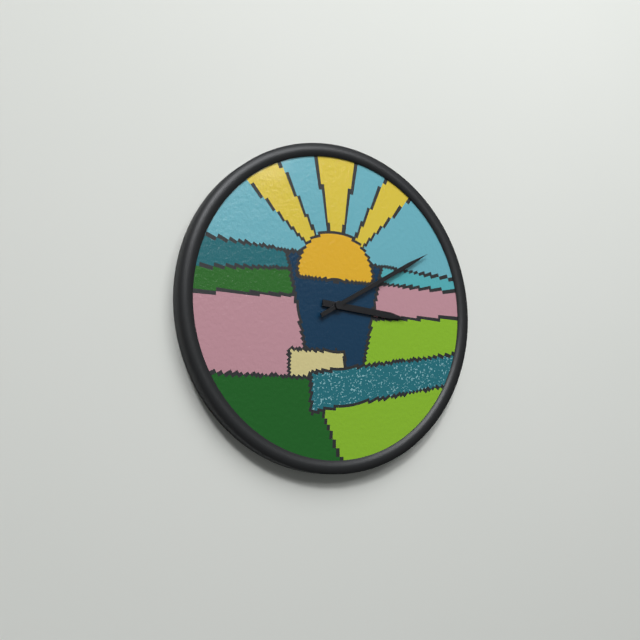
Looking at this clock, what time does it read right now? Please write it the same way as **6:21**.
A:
**3:10**
